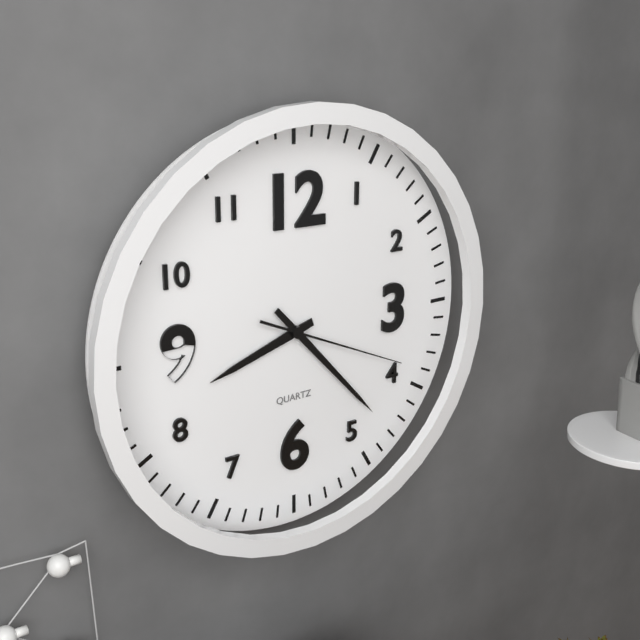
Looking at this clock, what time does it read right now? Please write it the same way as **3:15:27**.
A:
**8:23:19**
